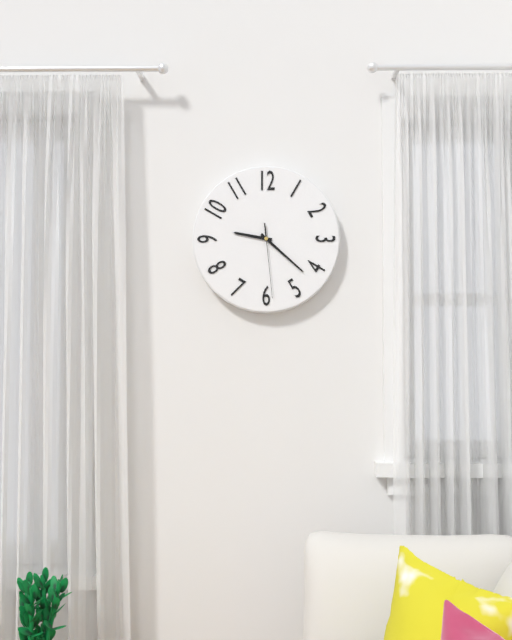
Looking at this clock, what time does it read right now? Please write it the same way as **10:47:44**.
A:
**9:22:29**
